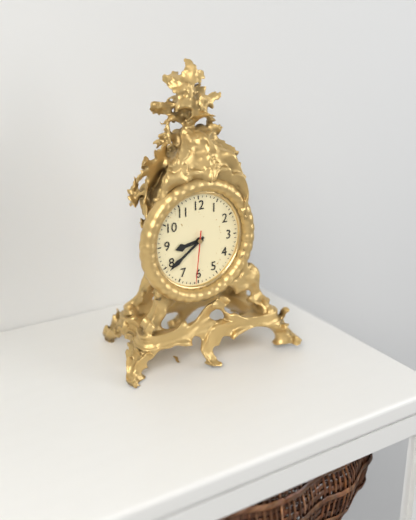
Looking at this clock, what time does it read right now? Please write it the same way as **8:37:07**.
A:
**8:39:31**
